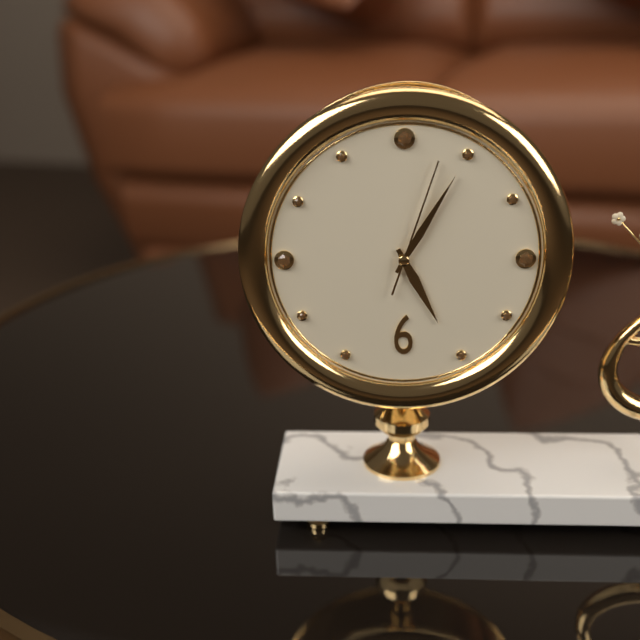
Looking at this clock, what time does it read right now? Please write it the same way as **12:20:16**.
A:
**5:05:03**
